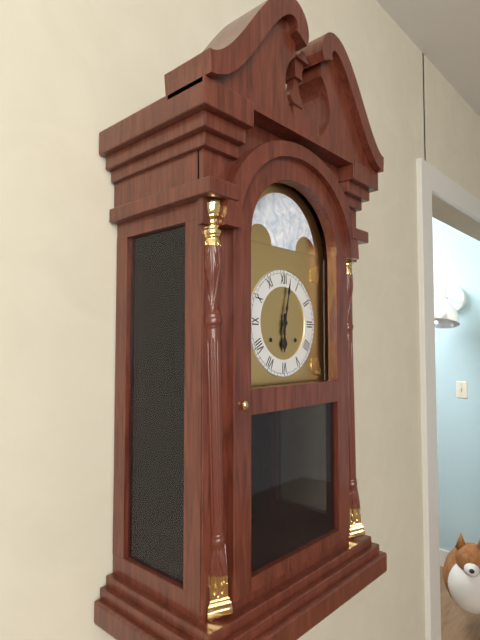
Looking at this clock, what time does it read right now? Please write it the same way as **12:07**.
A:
**6:02**
